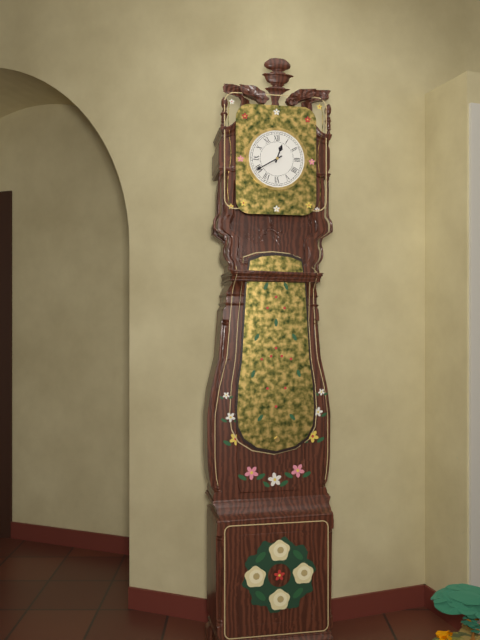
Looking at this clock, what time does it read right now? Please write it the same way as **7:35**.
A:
**12:40**
